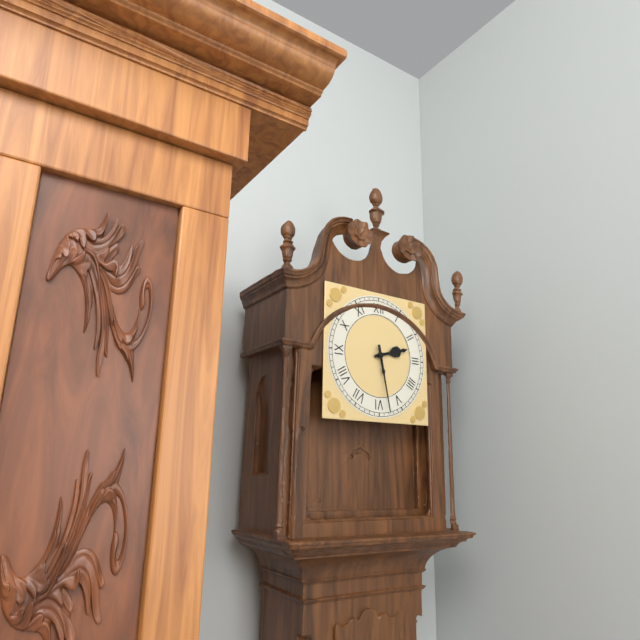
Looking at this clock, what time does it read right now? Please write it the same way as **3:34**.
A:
**2:28**
